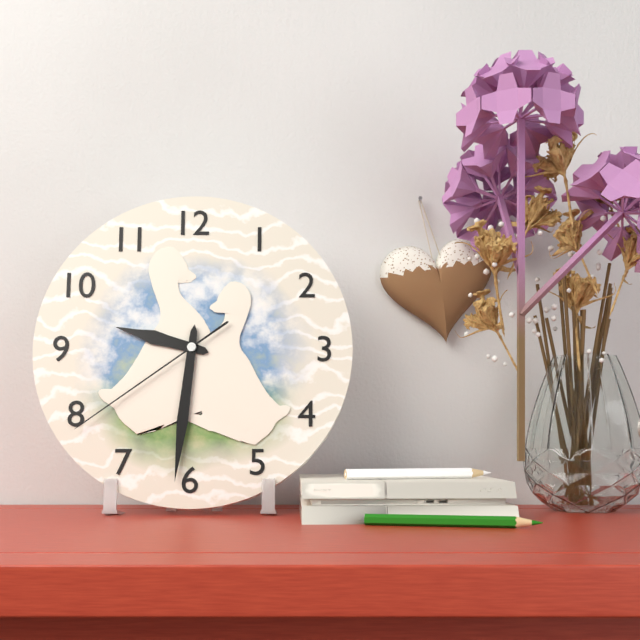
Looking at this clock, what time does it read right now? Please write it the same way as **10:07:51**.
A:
**9:31:39**
